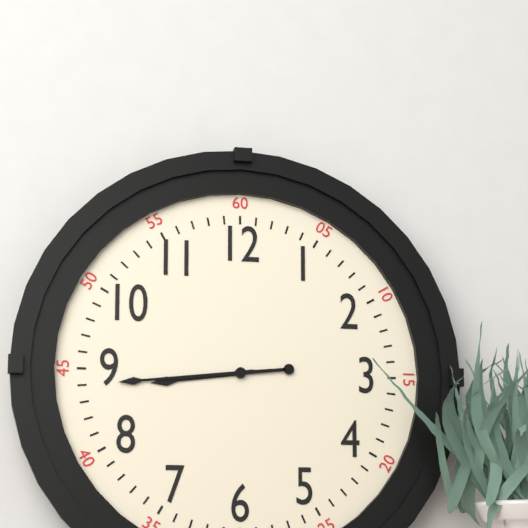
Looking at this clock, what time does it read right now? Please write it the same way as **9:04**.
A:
**8:44**
